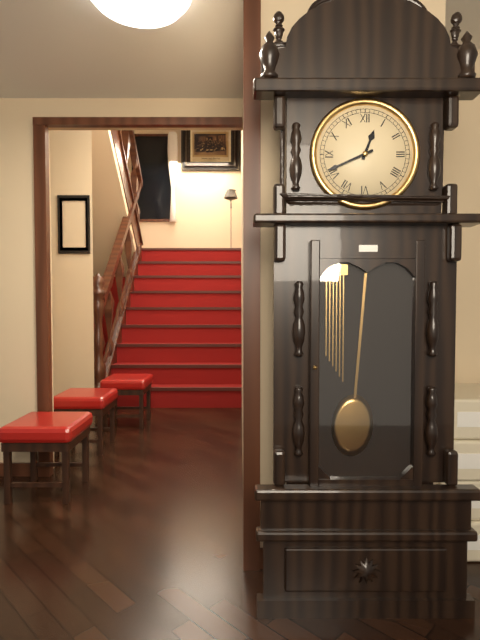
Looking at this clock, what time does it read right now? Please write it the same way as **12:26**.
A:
**12:41**
